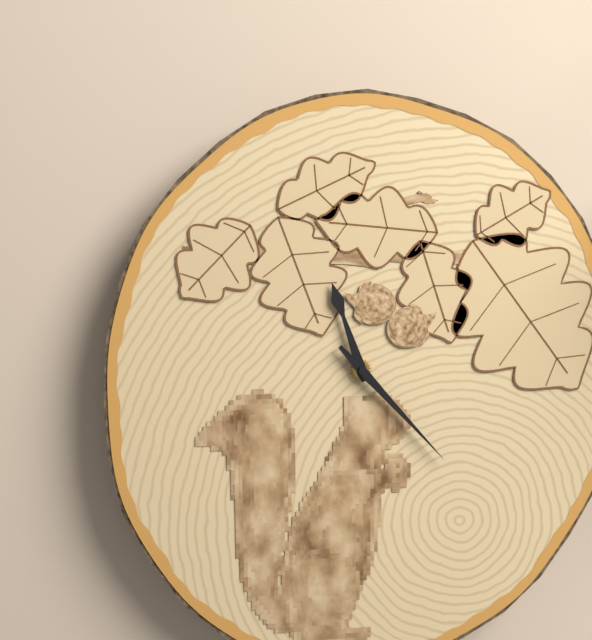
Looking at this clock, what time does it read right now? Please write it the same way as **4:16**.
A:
**11:23**
